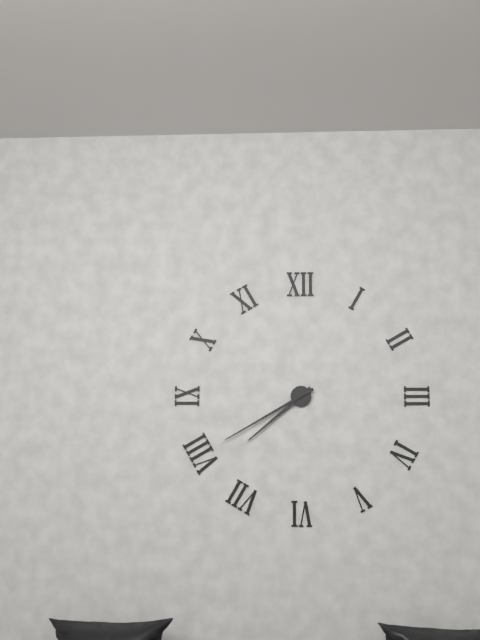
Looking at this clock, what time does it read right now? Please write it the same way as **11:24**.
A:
**7:40**
